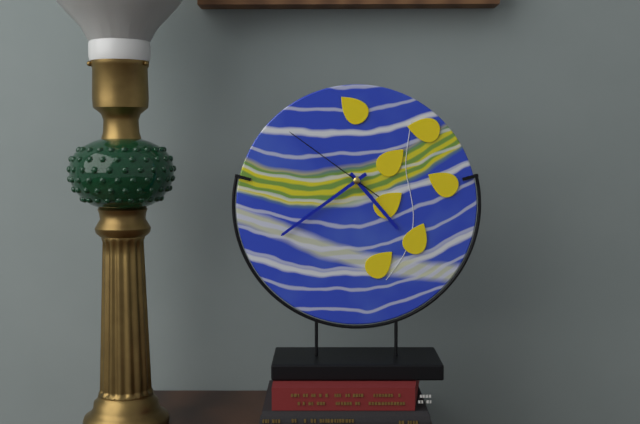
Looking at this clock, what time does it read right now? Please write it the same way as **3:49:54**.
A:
**4:39:51**
